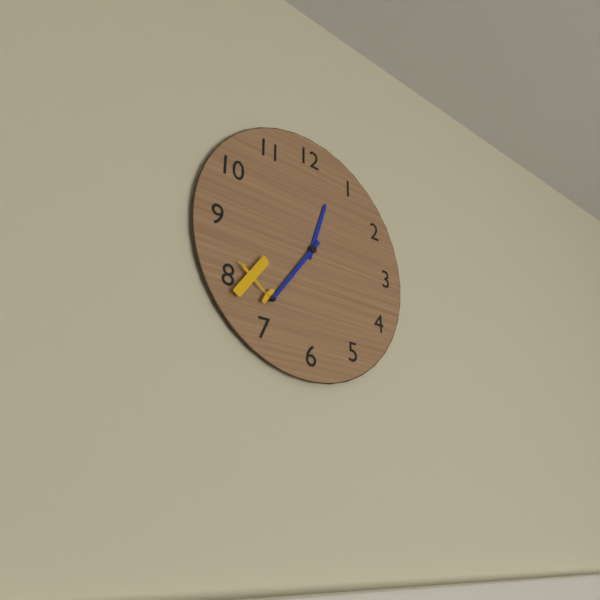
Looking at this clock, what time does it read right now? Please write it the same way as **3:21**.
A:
**12:36**
